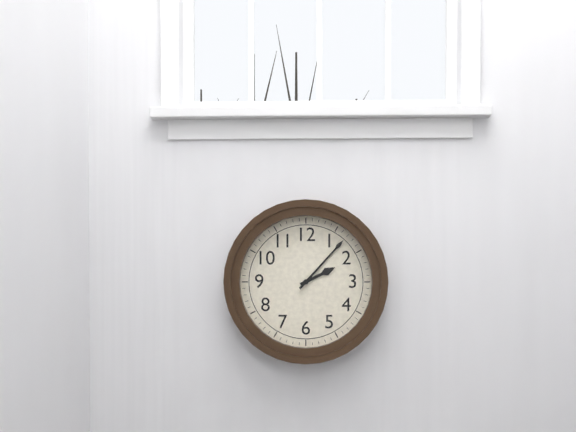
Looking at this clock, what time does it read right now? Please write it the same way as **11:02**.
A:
**2:07**
